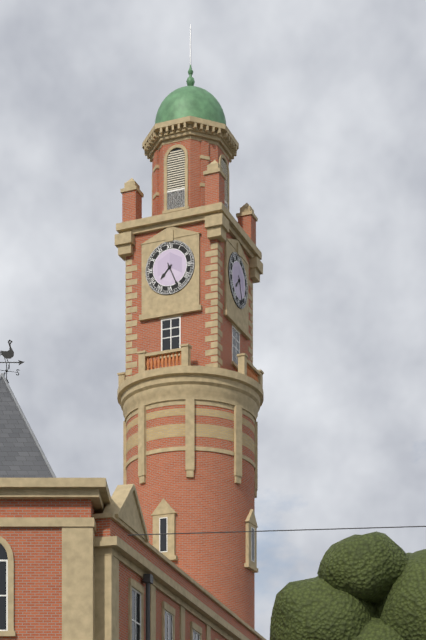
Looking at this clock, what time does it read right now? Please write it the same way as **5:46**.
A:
**7:26**
